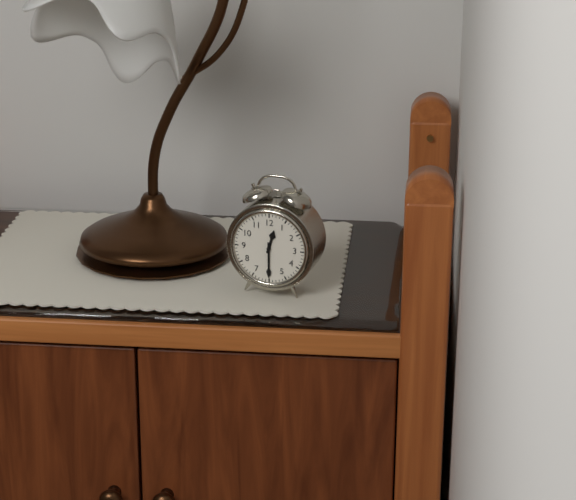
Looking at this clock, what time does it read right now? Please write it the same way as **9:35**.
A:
**12:30**
